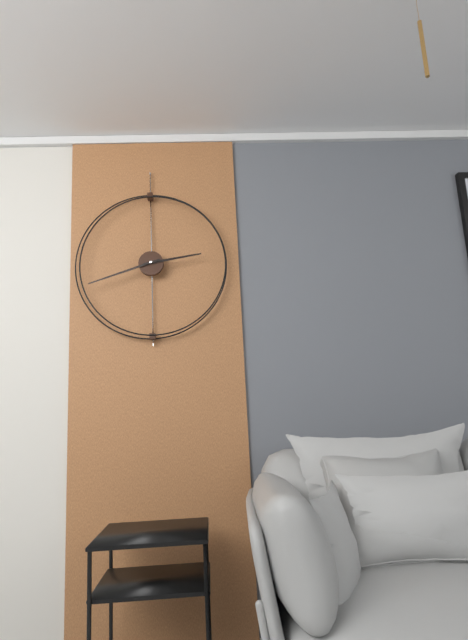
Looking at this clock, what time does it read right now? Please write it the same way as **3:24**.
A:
**2:42**
